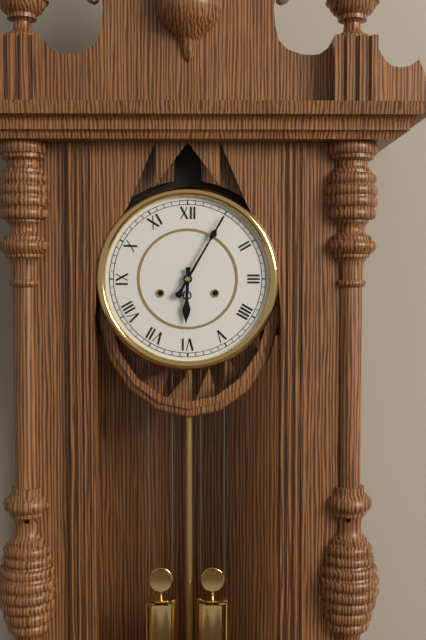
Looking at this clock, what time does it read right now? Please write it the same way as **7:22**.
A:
**6:05**
